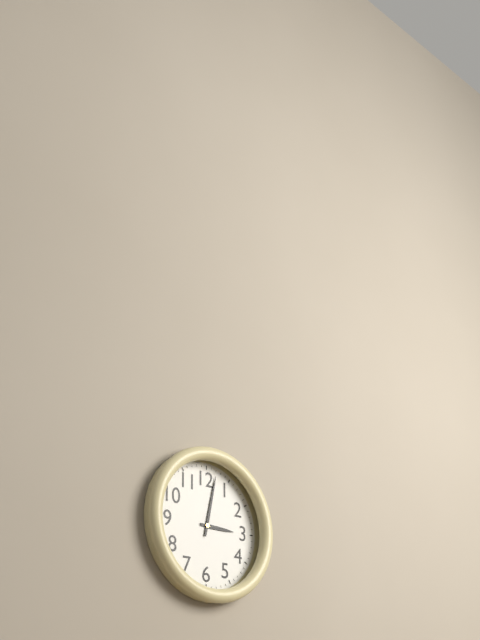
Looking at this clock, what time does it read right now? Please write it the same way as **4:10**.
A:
**3:02**
